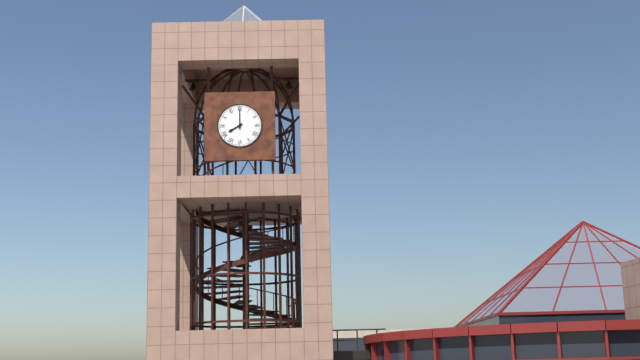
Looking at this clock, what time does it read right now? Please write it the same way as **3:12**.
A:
**8:00**
